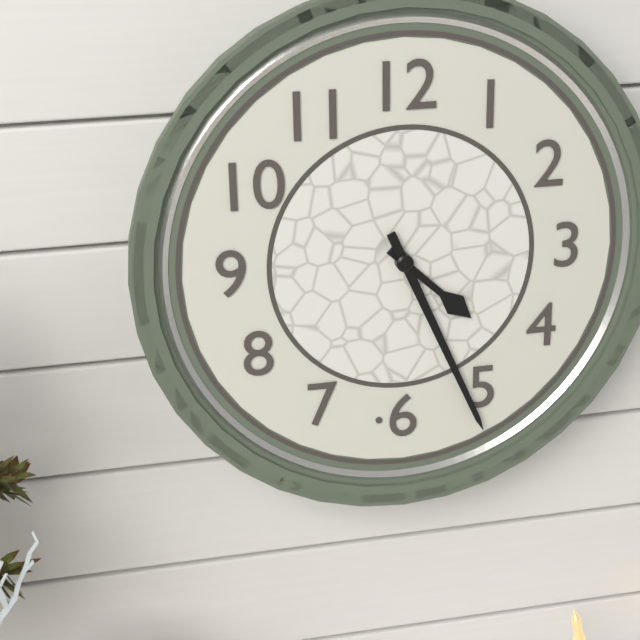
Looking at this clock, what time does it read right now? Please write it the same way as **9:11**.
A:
**4:26**
